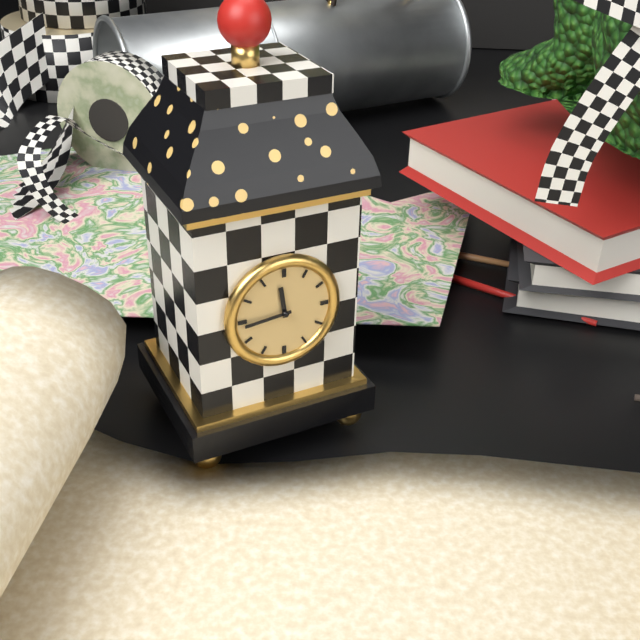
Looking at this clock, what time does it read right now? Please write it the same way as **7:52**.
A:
**11:44**
